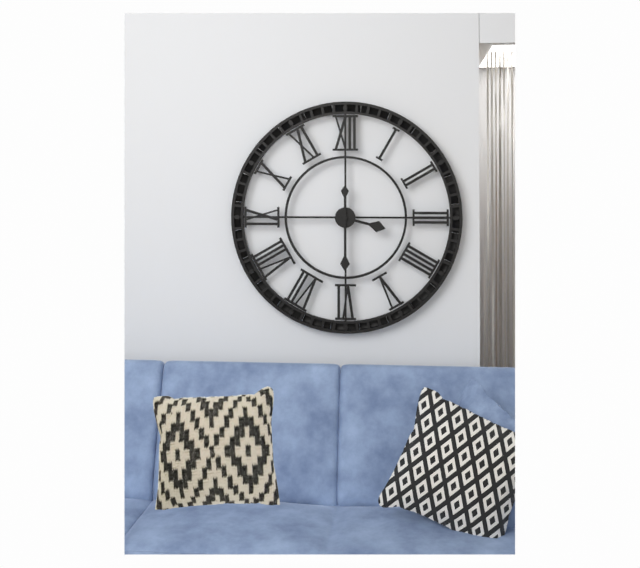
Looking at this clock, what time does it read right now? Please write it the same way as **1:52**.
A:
**3:30**
